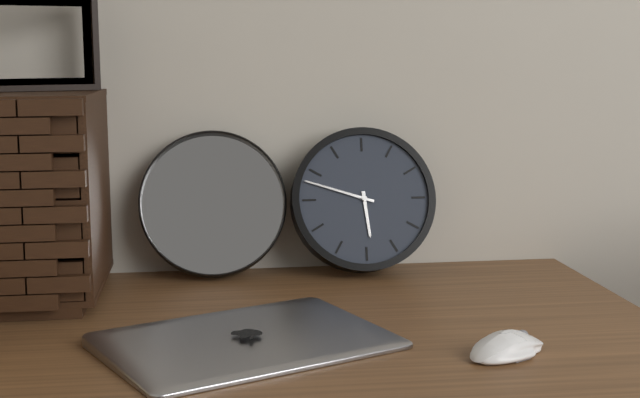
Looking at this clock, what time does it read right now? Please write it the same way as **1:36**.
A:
**5:48**
